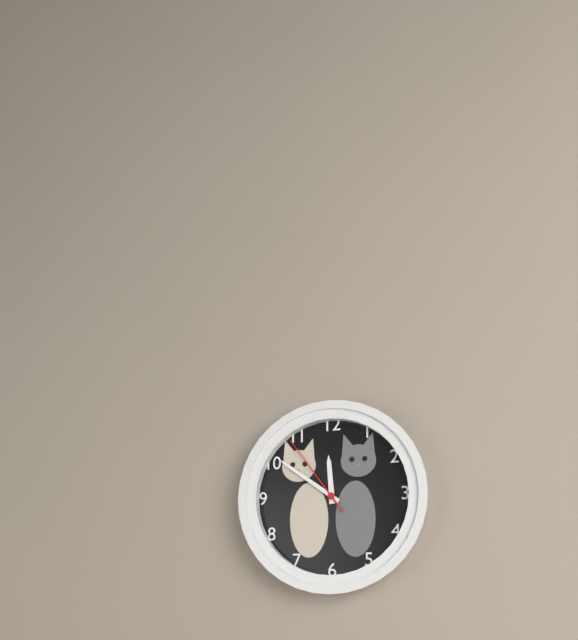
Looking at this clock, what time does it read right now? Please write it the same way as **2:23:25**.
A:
**11:51:54**
